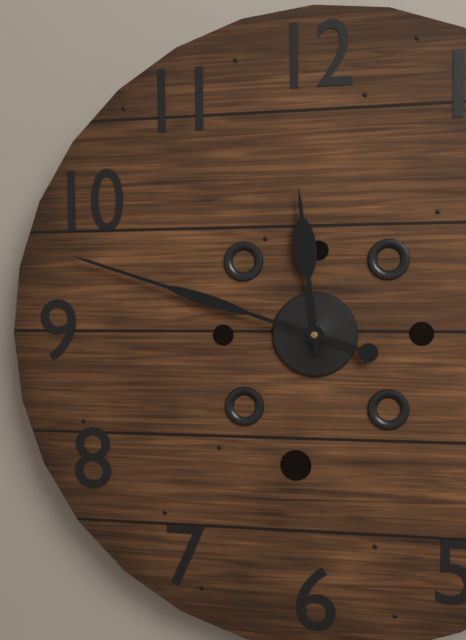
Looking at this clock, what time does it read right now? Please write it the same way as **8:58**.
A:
**11:48**
